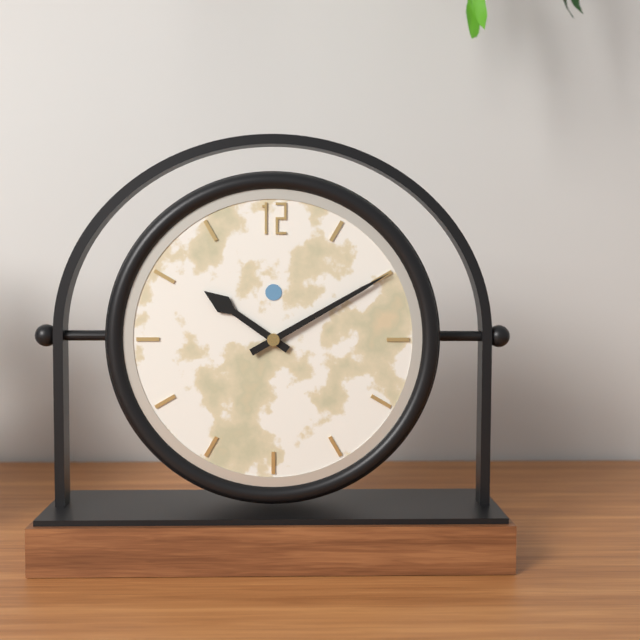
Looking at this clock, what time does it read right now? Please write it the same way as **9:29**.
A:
**10:10**
